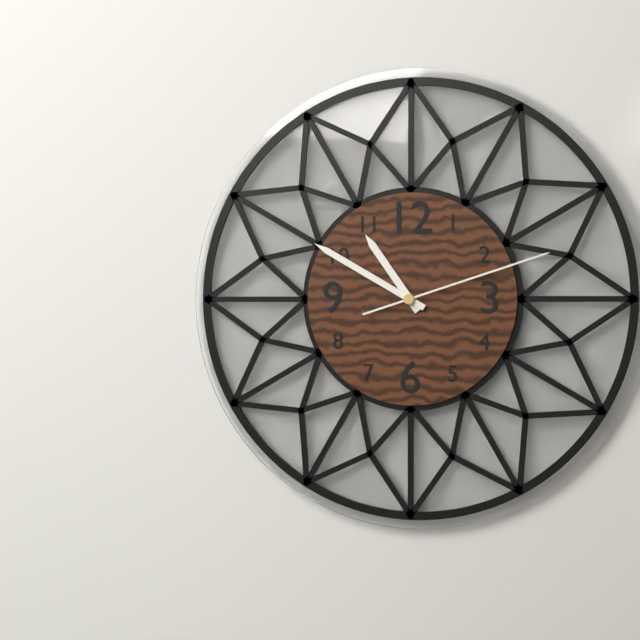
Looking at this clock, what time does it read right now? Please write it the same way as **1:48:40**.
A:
**10:50:12**
